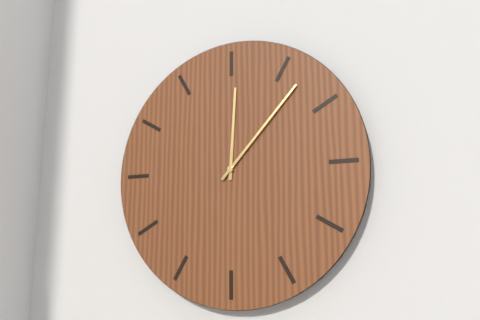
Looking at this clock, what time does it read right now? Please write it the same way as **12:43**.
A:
**12:07**
